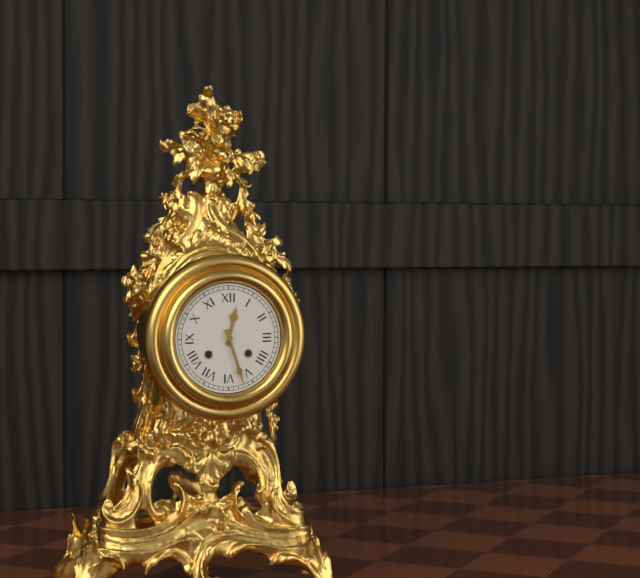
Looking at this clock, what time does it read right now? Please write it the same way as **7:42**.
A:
**12:27**
